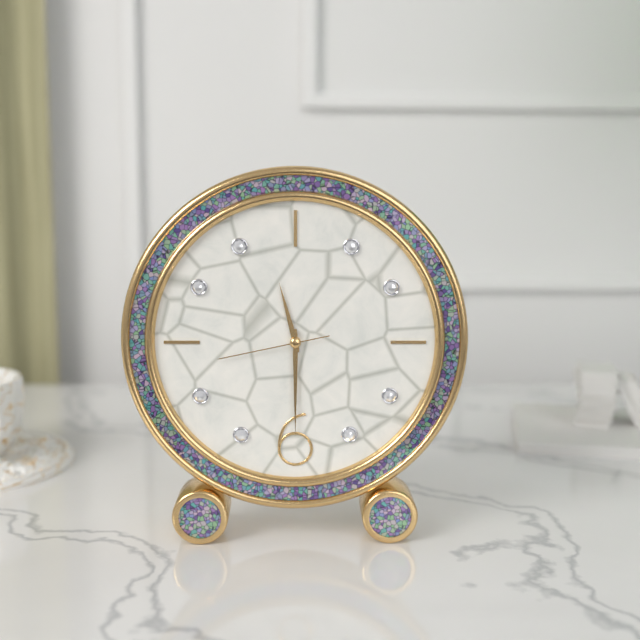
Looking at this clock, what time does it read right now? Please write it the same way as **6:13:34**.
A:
**11:30:43**
